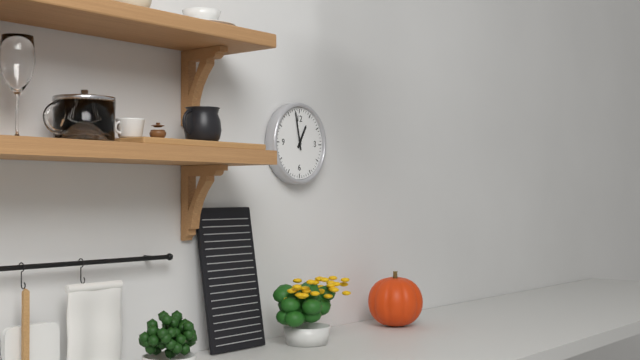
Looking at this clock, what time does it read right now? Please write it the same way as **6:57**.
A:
**12:58**
